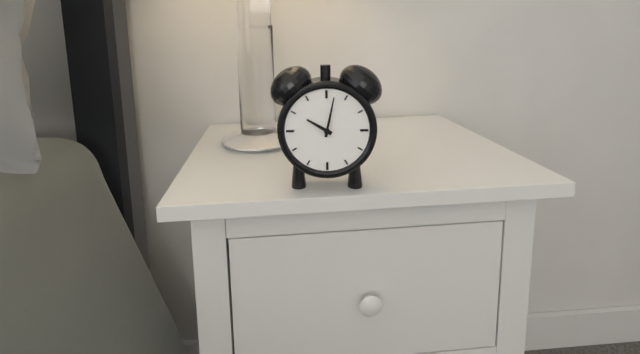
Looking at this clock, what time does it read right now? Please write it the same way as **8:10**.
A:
**10:02**
